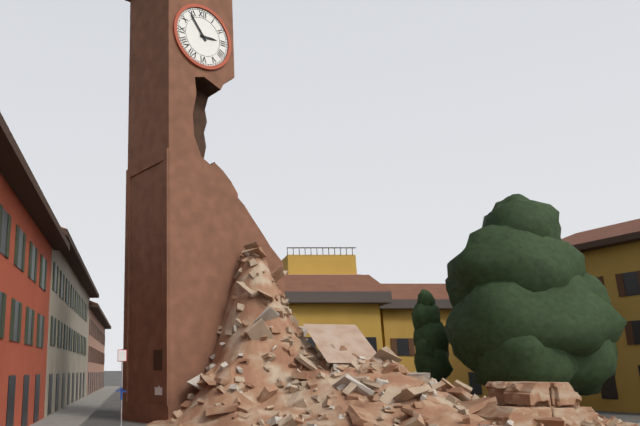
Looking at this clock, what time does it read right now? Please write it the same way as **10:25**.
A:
**2:54**
